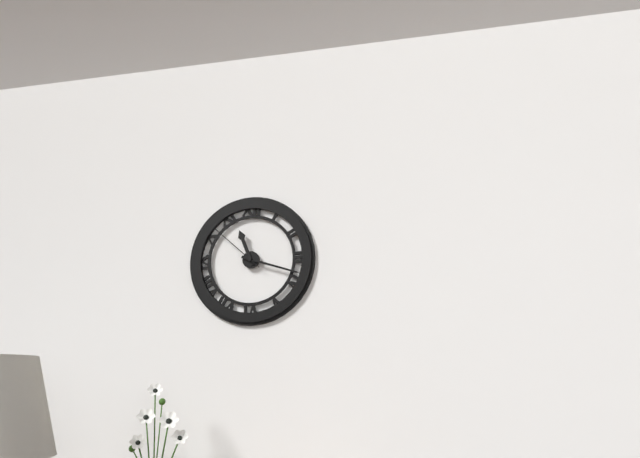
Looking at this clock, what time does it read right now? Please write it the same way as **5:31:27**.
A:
**11:18:52**
